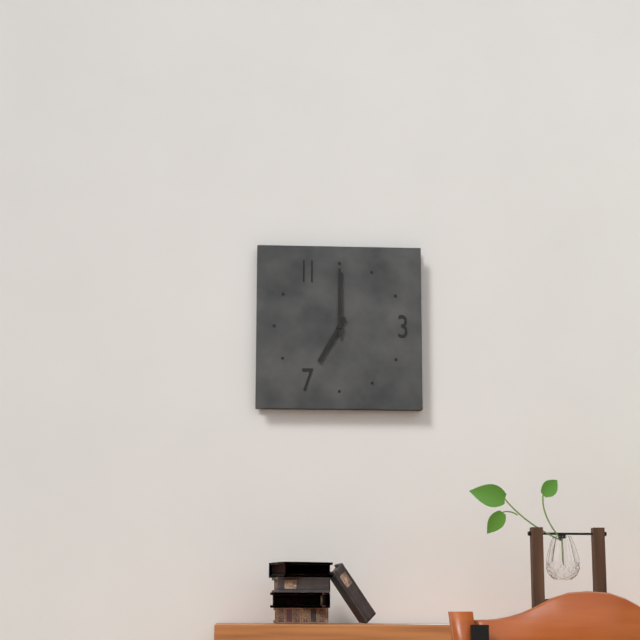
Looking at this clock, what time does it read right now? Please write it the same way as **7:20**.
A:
**7:00**
